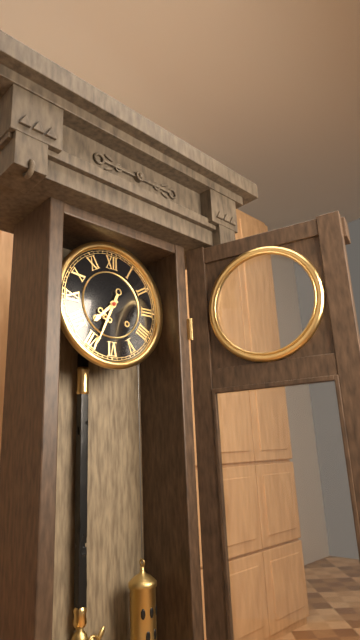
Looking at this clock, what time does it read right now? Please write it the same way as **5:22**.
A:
**7:34**
